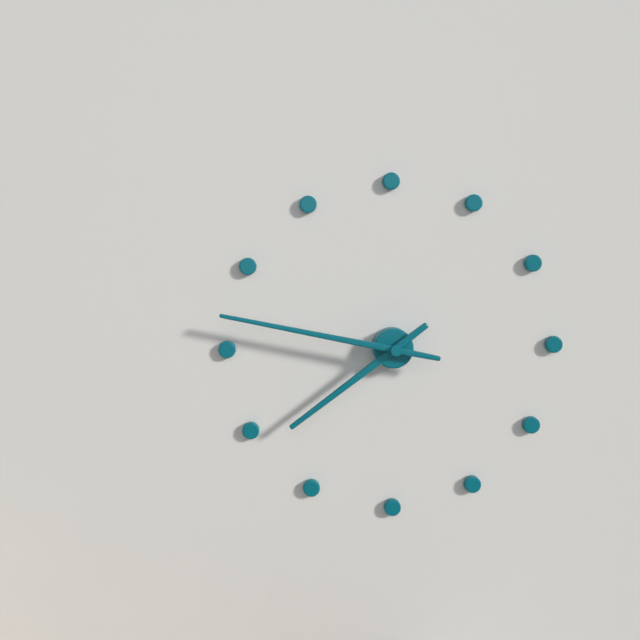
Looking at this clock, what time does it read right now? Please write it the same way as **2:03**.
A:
**7:47**
